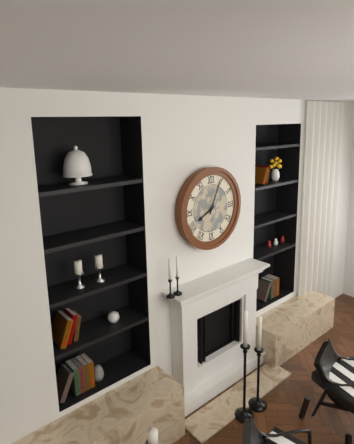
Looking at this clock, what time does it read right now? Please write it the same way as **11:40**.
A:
**8:04**
